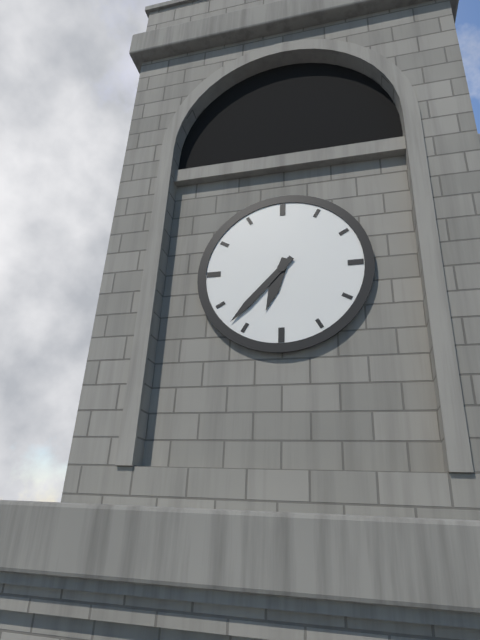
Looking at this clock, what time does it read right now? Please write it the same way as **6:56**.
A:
**6:37**
